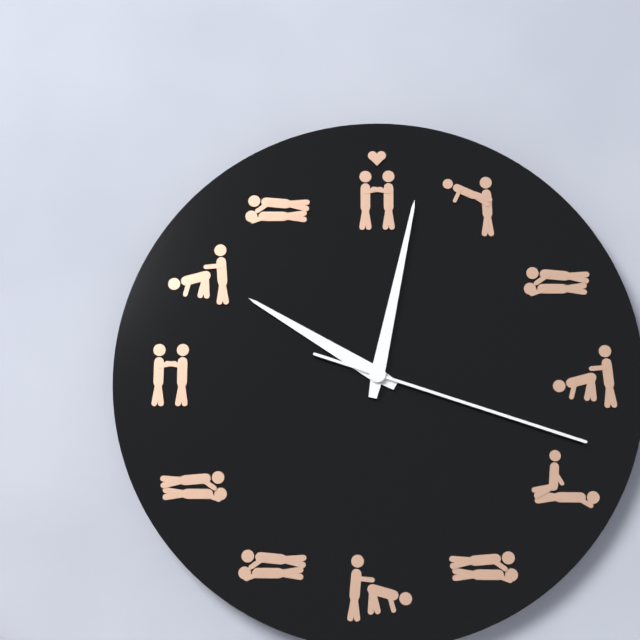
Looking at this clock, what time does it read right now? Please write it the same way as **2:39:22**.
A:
**10:02:18**
